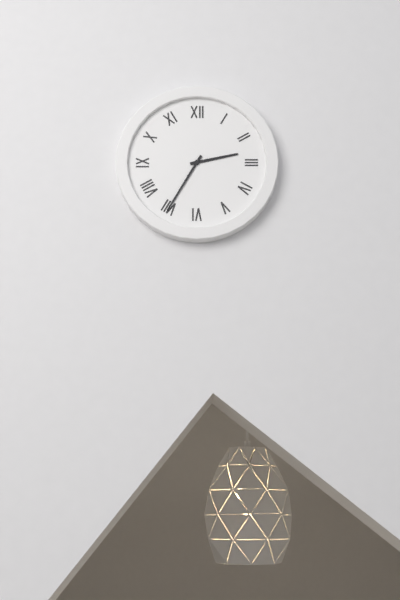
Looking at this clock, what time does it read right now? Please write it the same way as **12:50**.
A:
**2:35**
